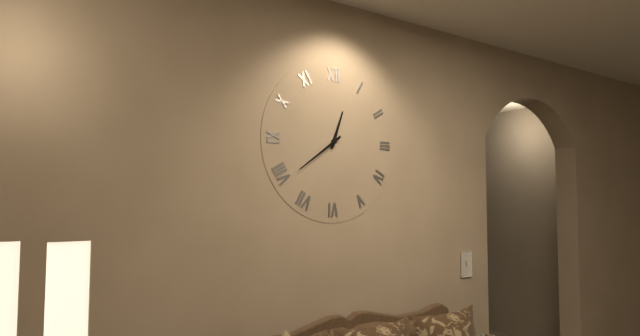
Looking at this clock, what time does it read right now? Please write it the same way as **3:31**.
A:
**12:39**
